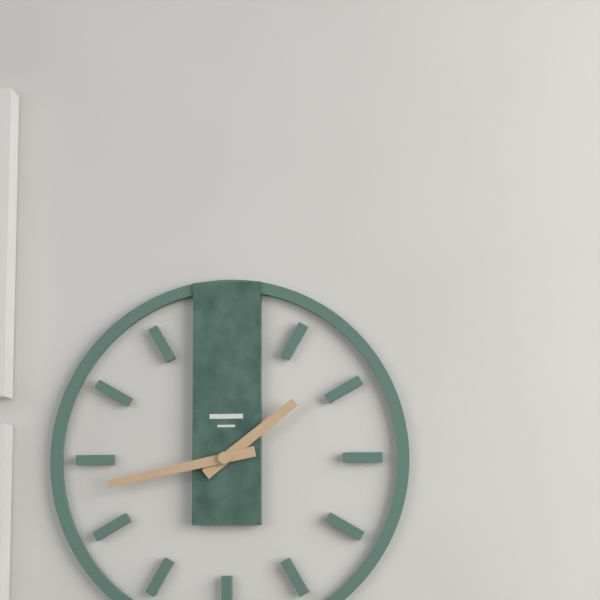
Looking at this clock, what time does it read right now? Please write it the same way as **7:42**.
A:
**1:43**
